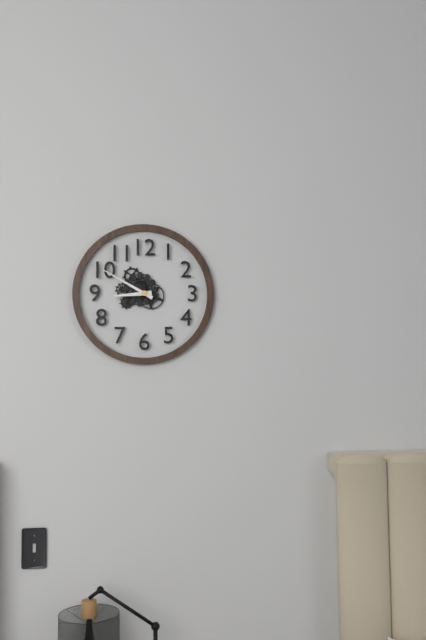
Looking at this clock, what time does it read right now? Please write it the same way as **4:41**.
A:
**8:50**
